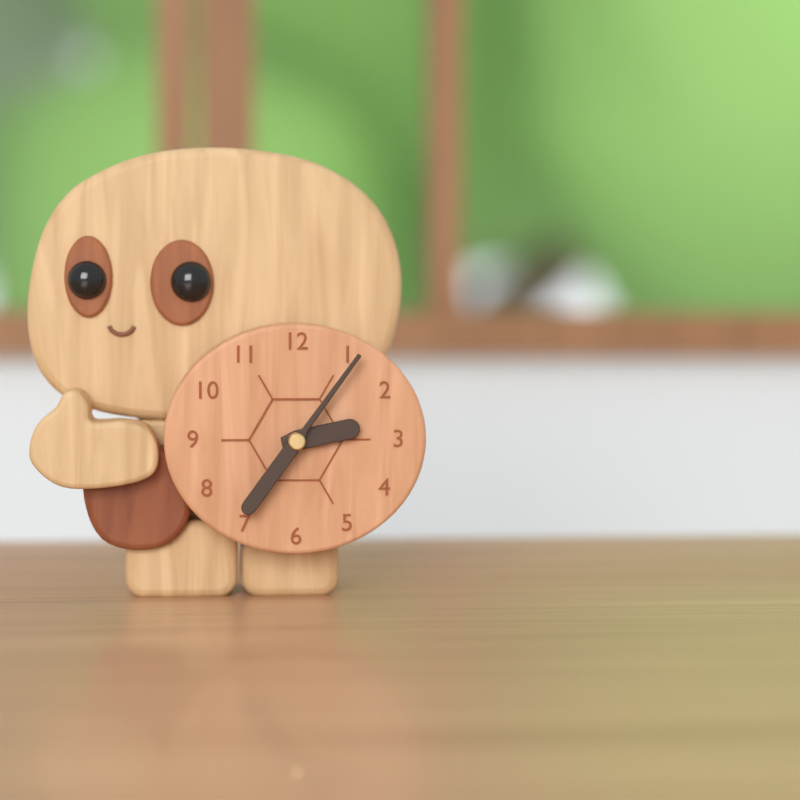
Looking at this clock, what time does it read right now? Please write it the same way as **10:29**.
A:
**2:36**
